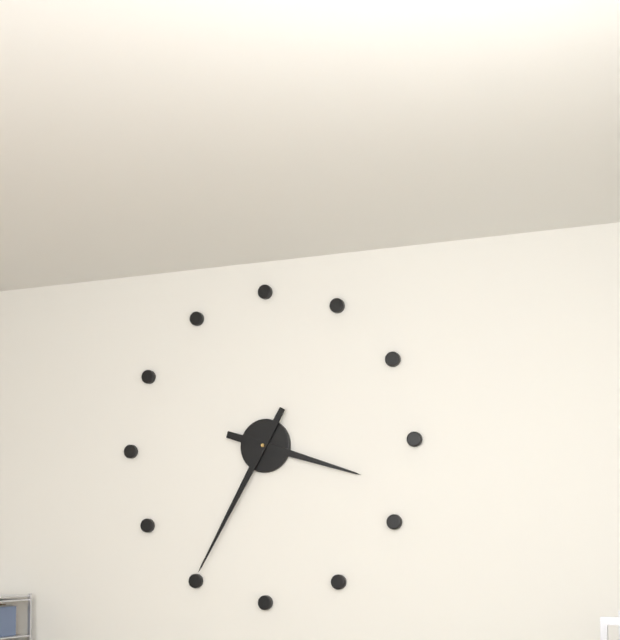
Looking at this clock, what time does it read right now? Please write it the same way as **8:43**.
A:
**3:35**
